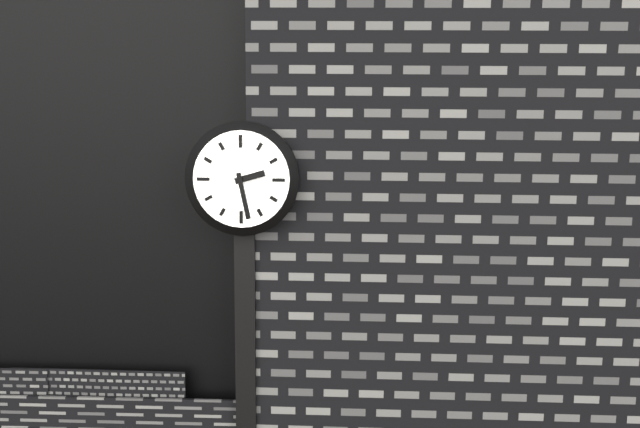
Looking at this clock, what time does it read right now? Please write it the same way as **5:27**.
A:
**2:28**
